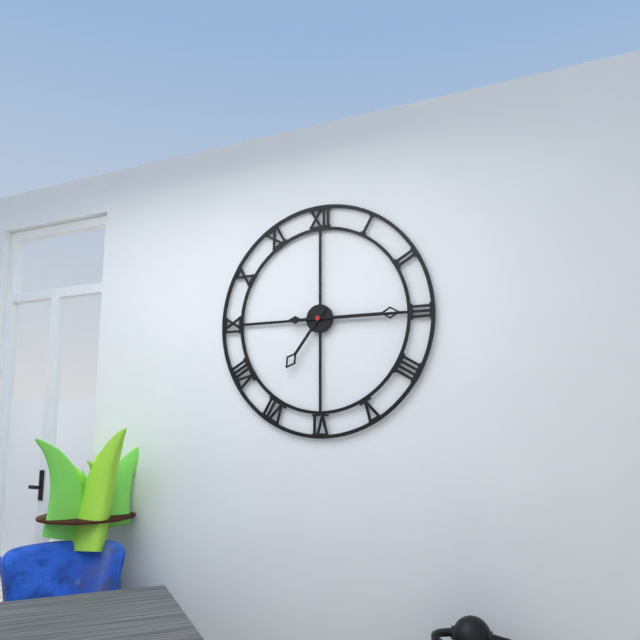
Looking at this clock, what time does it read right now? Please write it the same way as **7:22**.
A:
**7:15**
